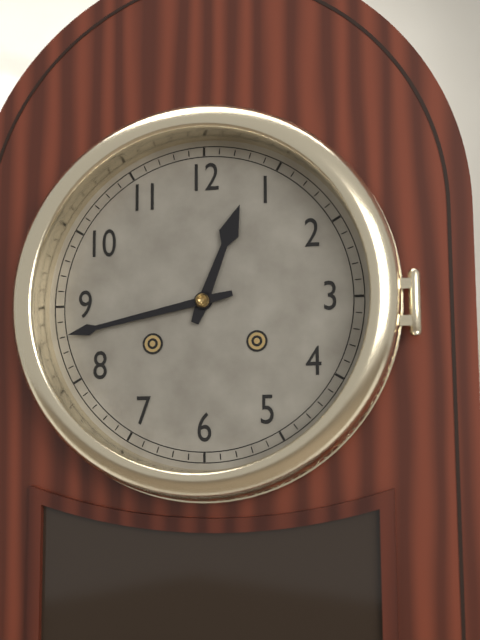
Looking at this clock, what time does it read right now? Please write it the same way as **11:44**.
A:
**12:43**
